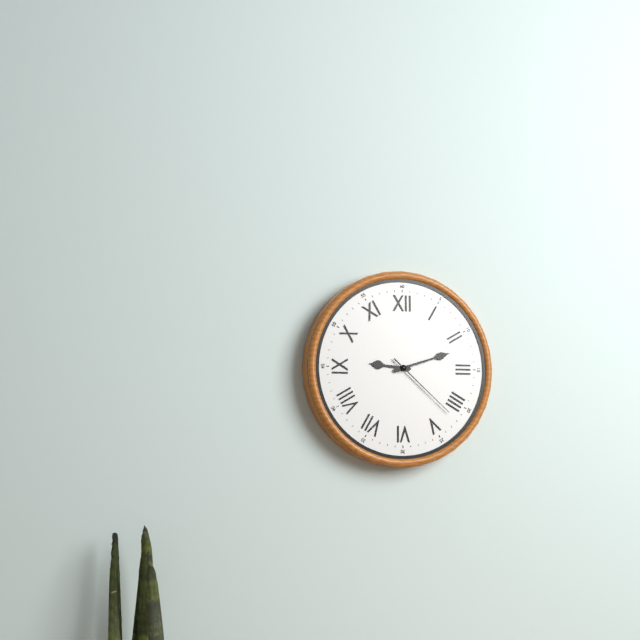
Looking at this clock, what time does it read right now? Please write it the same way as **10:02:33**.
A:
**9:12:22**
